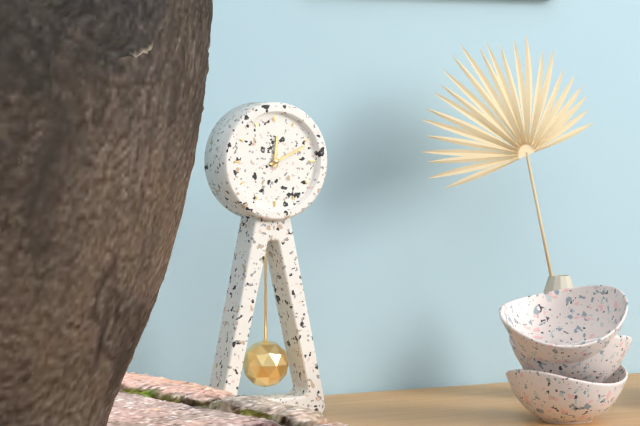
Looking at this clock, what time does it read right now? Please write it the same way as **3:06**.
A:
**12:11**
